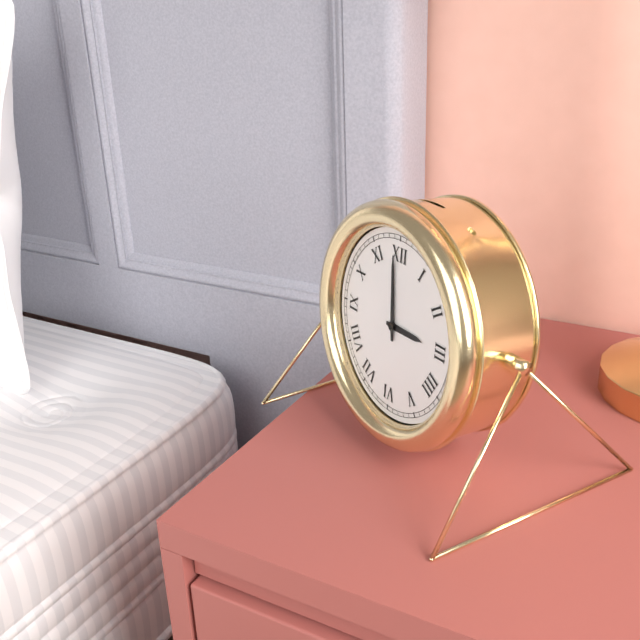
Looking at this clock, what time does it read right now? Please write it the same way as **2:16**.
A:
**2:59**
